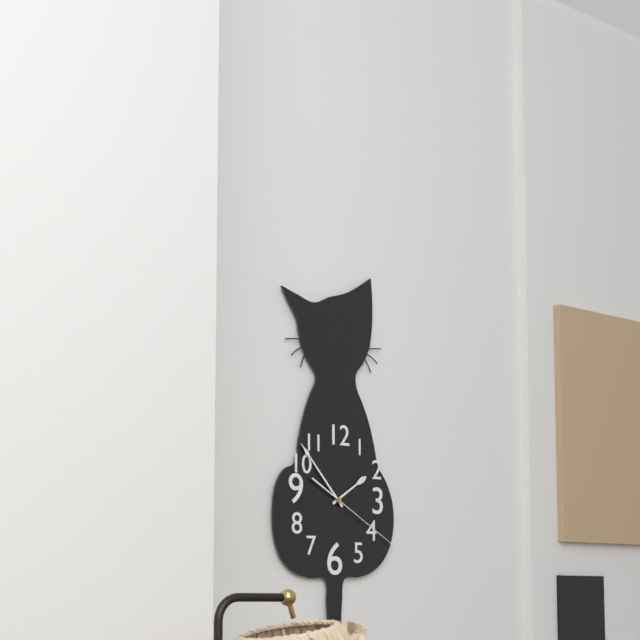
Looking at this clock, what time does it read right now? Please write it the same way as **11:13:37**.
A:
**1:53:20**
